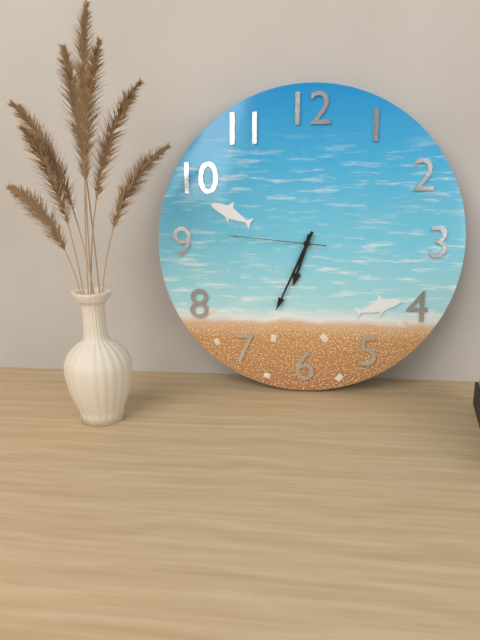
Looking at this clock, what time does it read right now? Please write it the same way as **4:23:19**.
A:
**6:34:46**
